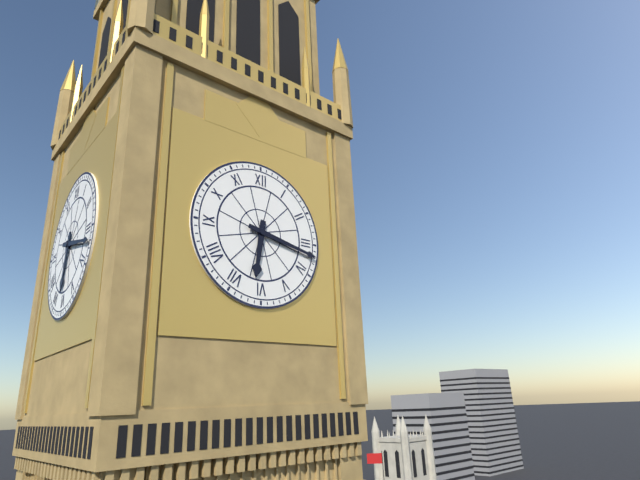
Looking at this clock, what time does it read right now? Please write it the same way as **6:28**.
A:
**6:17**
